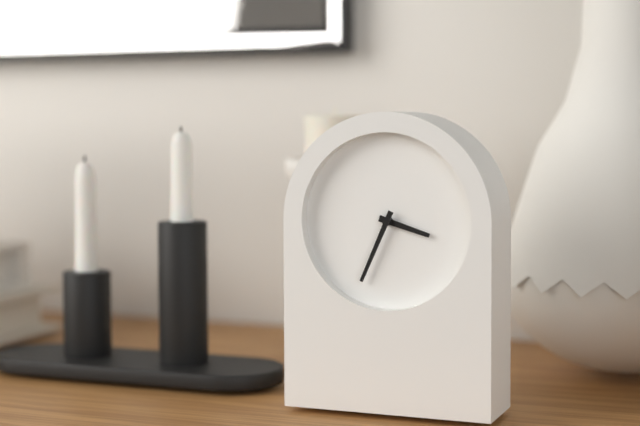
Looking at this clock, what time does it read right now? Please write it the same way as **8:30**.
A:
**3:34**
